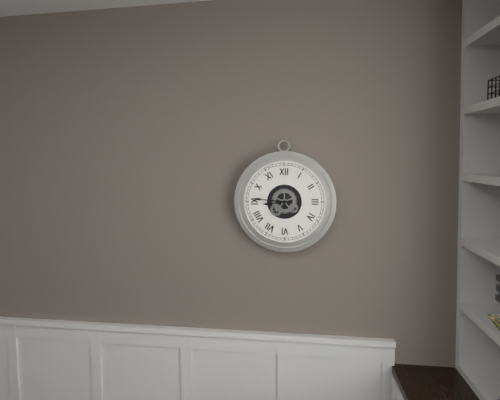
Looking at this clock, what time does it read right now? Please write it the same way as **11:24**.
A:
**8:46**
